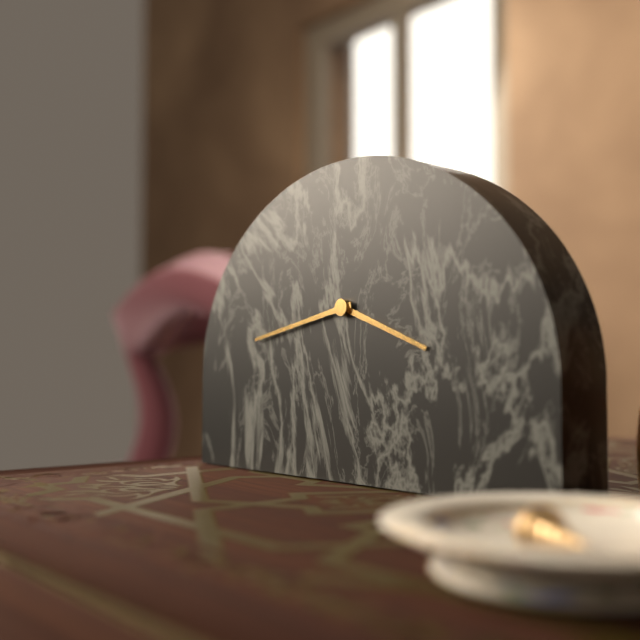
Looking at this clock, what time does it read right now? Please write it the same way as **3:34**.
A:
**3:43**
